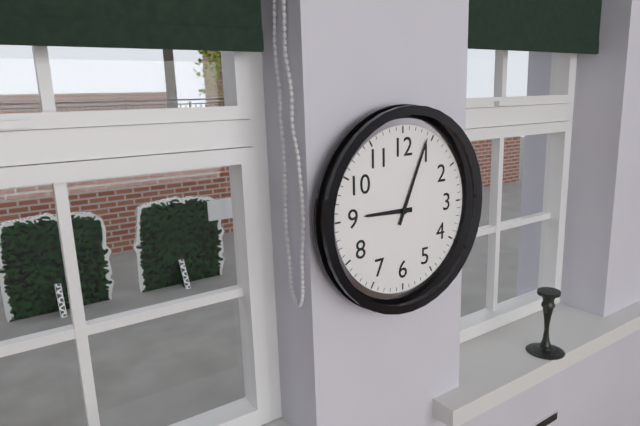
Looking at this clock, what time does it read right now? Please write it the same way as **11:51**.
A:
**9:04**
